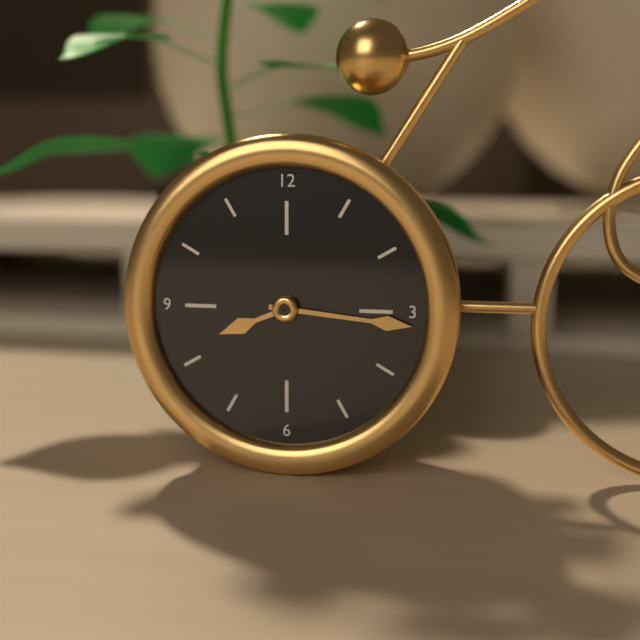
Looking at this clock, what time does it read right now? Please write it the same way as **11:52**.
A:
**8:16**
